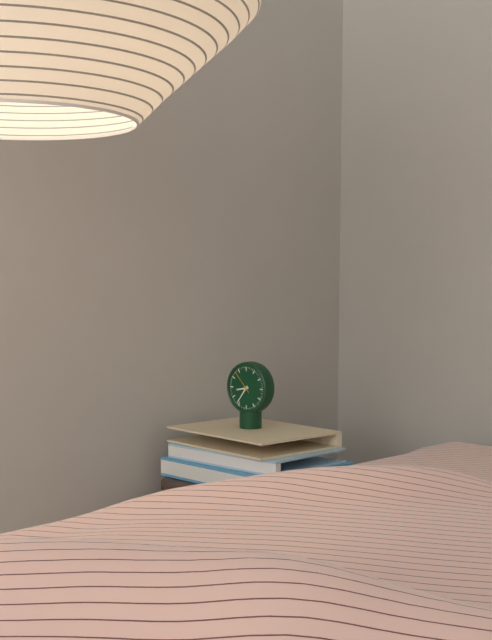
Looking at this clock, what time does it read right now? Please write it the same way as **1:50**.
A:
**8:36**
